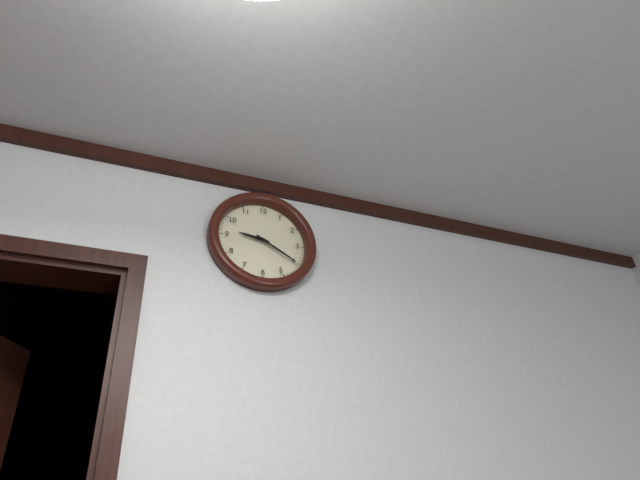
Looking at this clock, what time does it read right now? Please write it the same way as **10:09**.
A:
**9:20**
